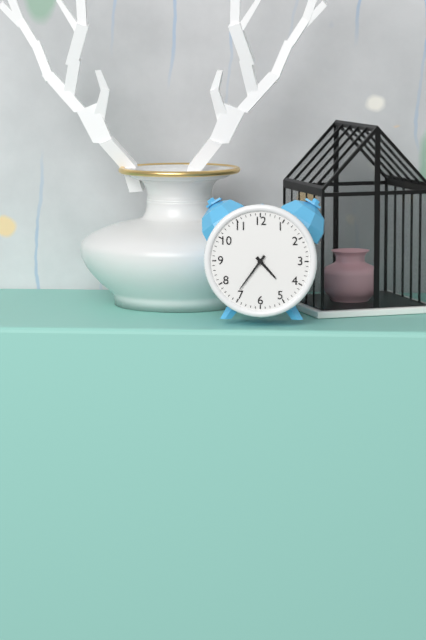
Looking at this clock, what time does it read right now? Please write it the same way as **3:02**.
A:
**4:36**
